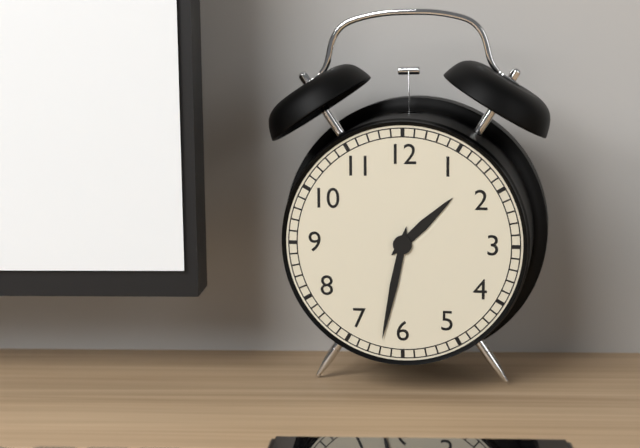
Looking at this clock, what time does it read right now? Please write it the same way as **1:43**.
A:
**1:32**
